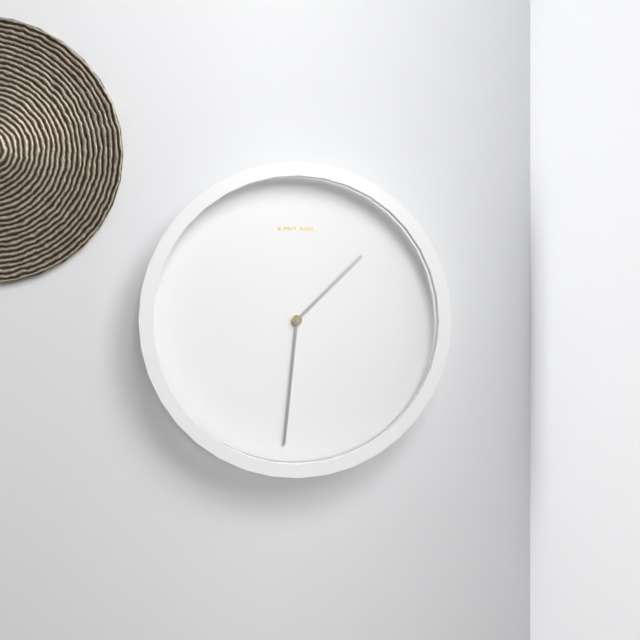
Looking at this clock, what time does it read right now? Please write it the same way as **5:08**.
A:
**1:31**
